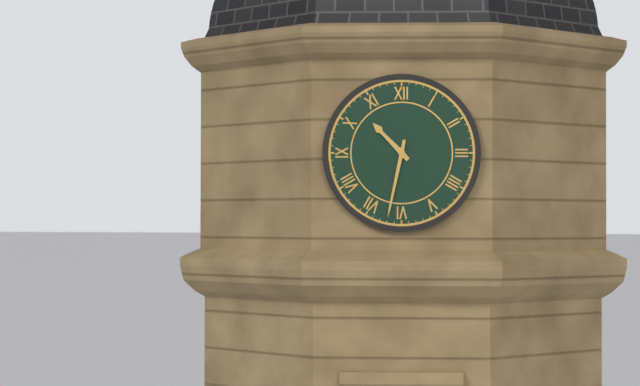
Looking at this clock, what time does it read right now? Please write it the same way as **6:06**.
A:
**10:32**
